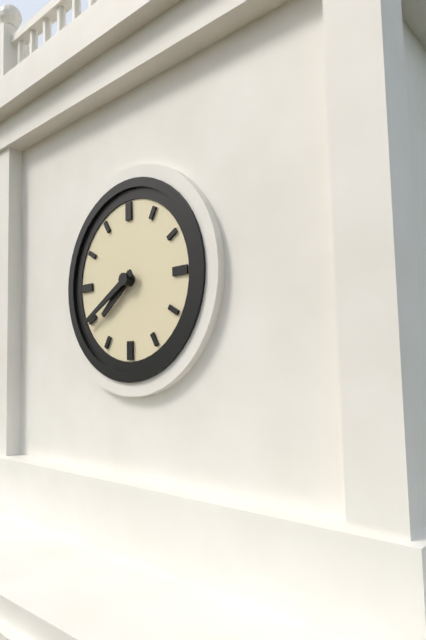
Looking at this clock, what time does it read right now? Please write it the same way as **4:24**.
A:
**7:40**
